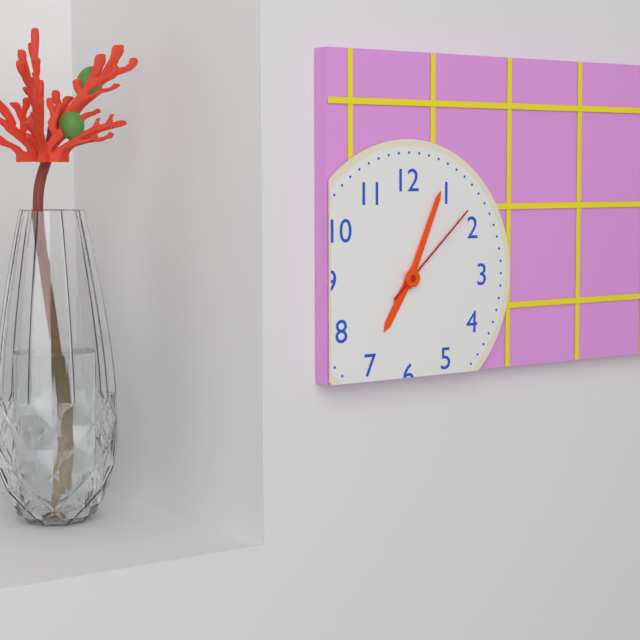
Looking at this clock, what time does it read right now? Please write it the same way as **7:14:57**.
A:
**7:04:08**
